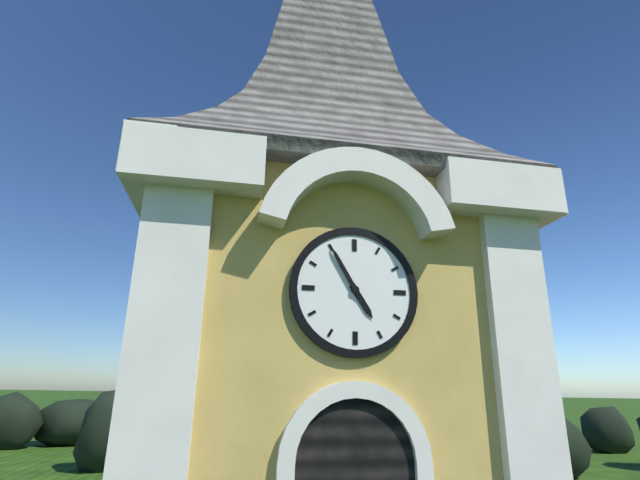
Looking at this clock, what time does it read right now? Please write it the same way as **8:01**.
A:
**4:55**
